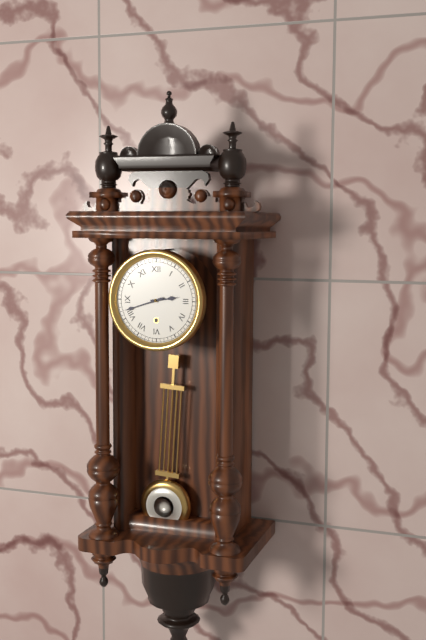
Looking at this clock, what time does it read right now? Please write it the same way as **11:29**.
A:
**2:42**
